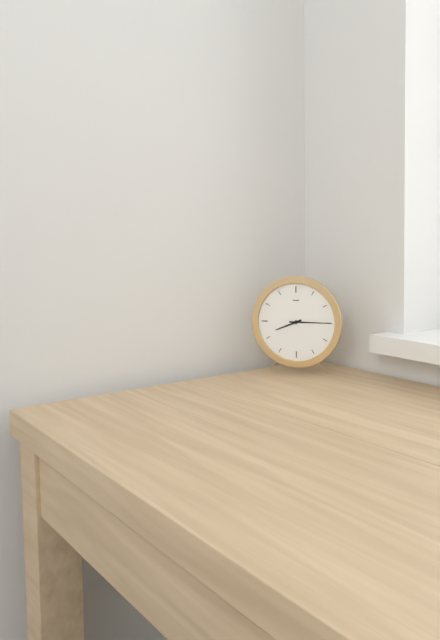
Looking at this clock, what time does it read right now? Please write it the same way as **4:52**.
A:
**8:15**
